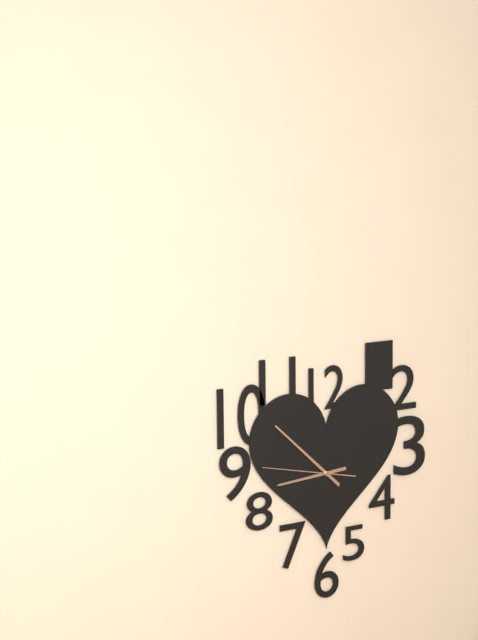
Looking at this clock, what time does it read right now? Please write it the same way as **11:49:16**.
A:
**8:52:47**
